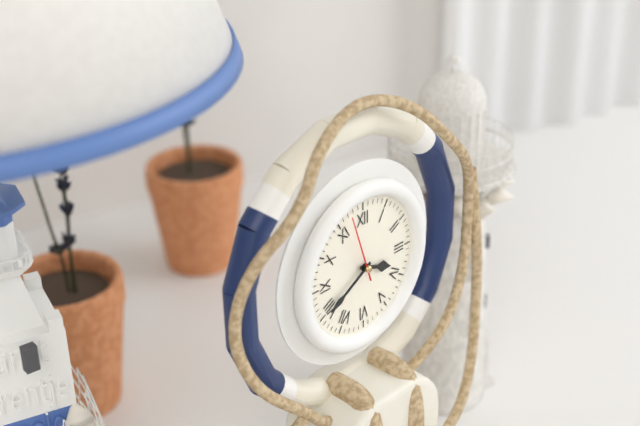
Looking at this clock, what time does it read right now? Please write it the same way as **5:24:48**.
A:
**3:40:57**
